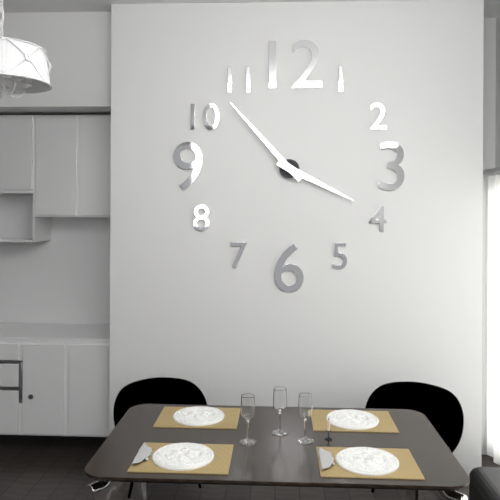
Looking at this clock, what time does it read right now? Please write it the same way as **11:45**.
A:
**3:53**
